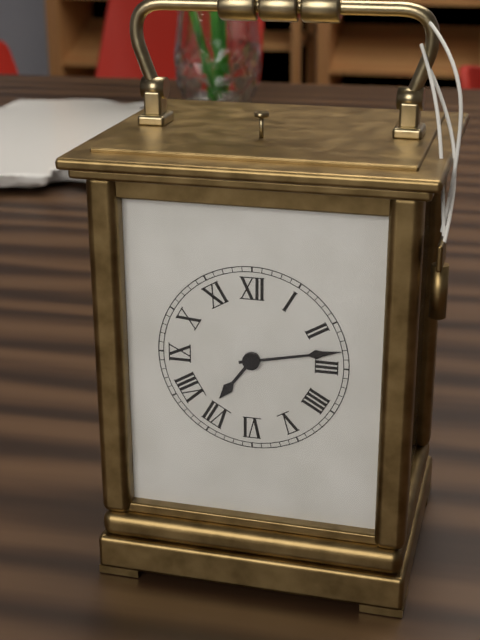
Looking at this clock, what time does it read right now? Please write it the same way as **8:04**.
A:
**7:13**
